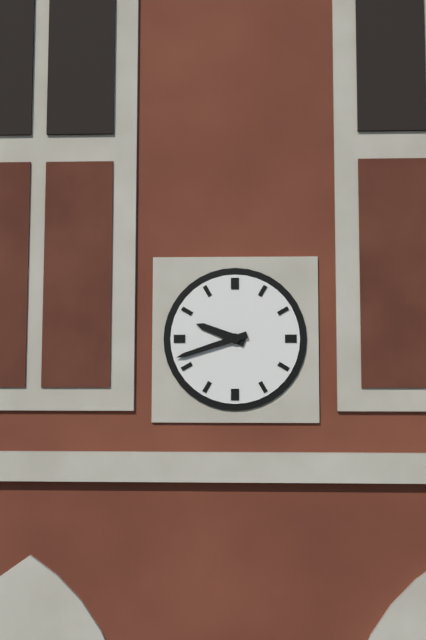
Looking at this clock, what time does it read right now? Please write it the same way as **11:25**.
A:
**9:42**
